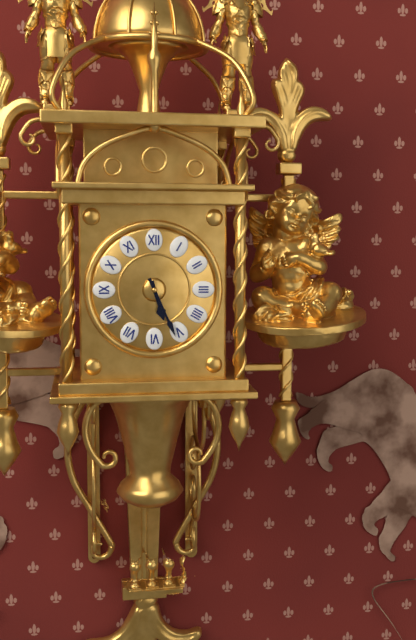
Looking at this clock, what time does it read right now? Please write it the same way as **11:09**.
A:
**5:26**
